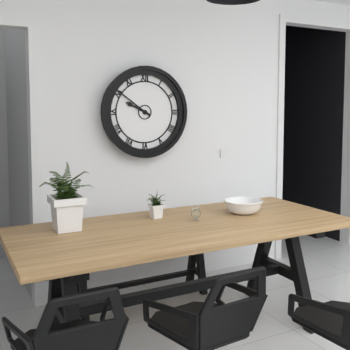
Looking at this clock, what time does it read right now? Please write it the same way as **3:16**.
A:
**9:51**
